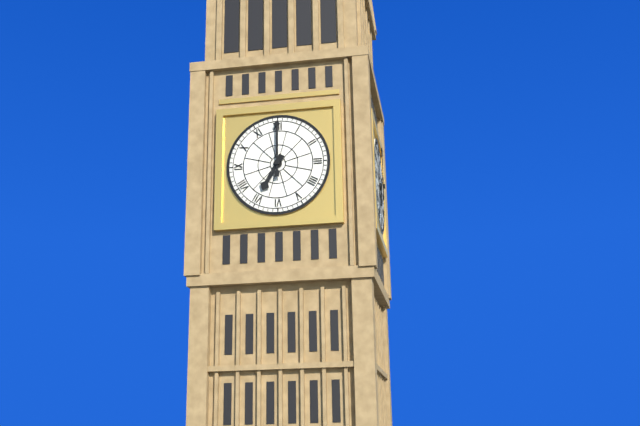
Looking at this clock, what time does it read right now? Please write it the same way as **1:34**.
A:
**7:00**
